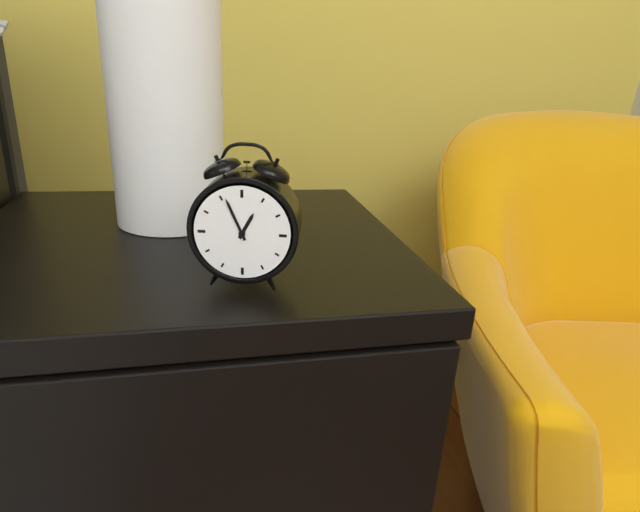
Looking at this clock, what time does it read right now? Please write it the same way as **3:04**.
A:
**12:56**
